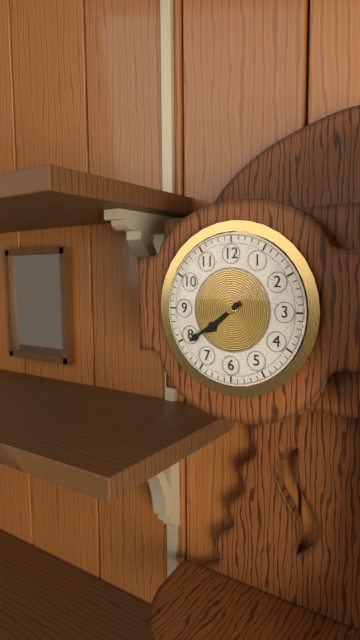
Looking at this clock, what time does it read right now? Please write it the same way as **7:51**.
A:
**7:39**
